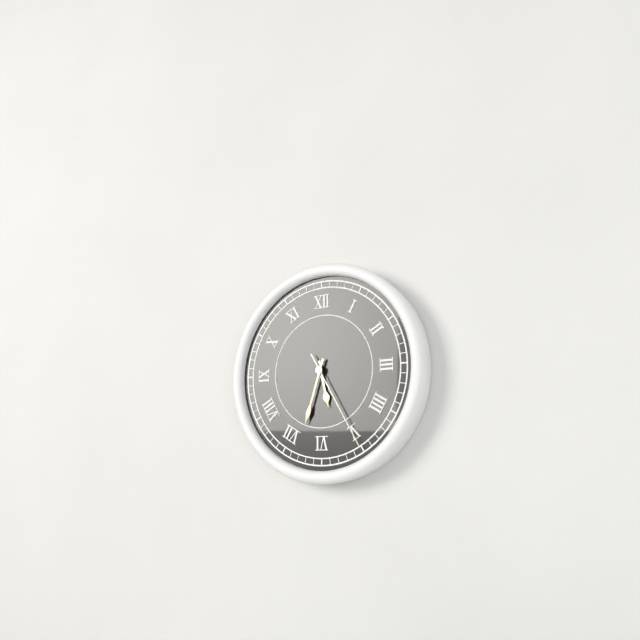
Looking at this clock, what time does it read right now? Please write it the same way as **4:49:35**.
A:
**5:33:25**
